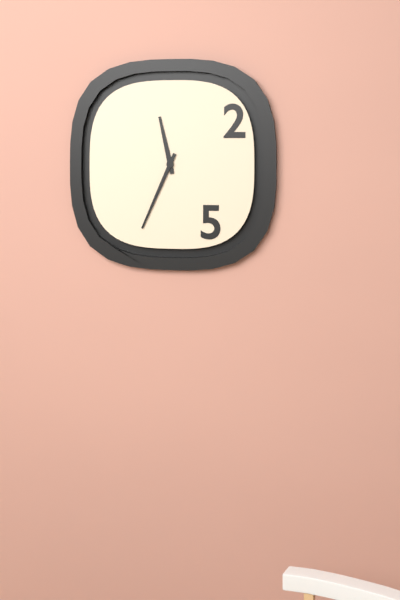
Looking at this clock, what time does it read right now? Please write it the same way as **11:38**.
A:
**11:34**
